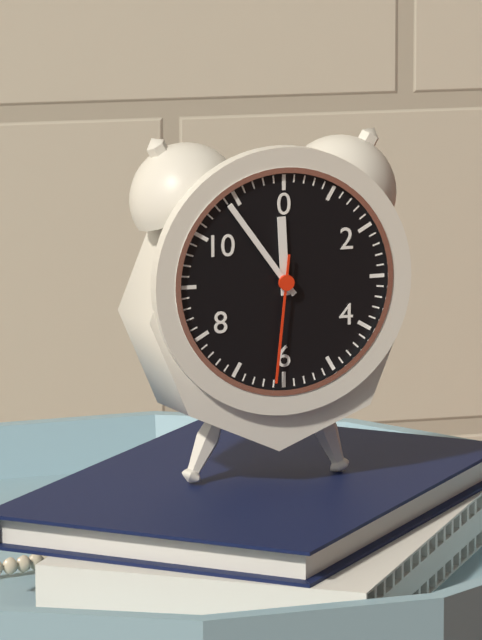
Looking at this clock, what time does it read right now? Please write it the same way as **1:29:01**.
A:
**11:54:31**
